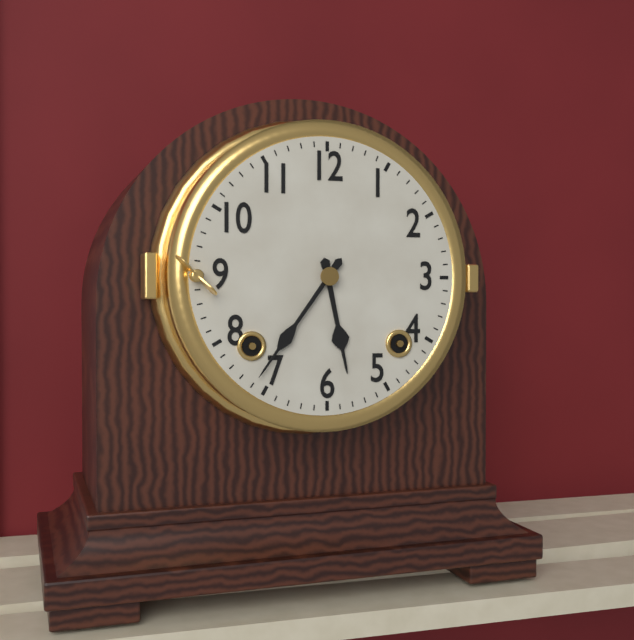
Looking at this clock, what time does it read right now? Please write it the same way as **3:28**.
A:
**5:36**
